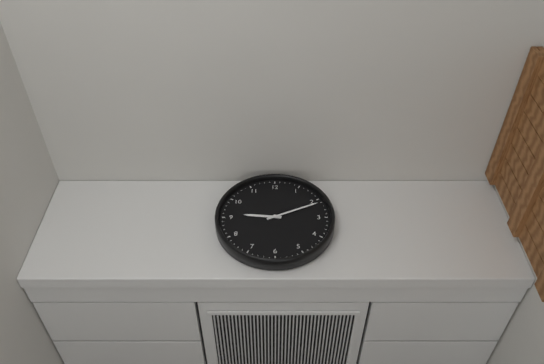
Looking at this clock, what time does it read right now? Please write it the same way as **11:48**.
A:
**9:11**
